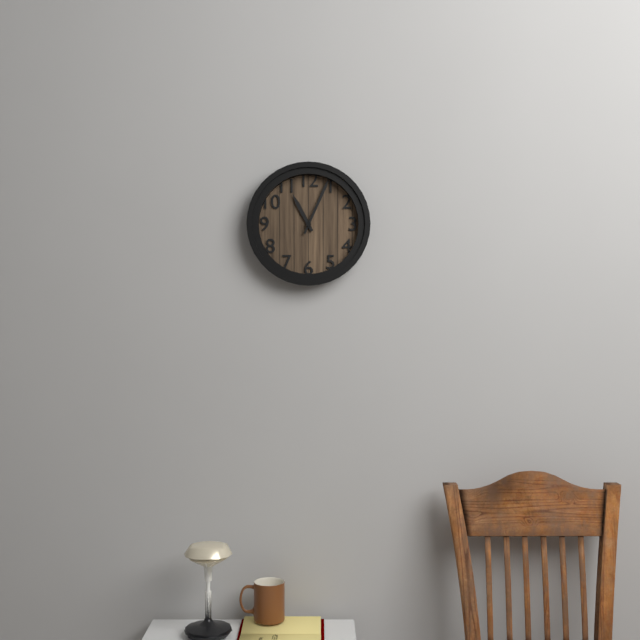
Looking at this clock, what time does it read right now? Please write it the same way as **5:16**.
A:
**11:04**
